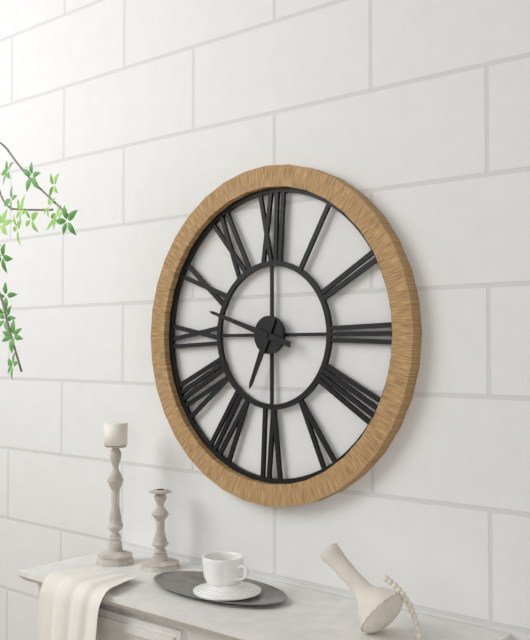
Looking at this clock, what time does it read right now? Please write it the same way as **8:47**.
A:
**6:48**
